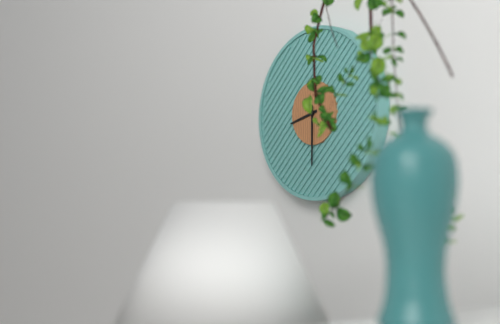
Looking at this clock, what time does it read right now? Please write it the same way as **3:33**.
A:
**8:30**
